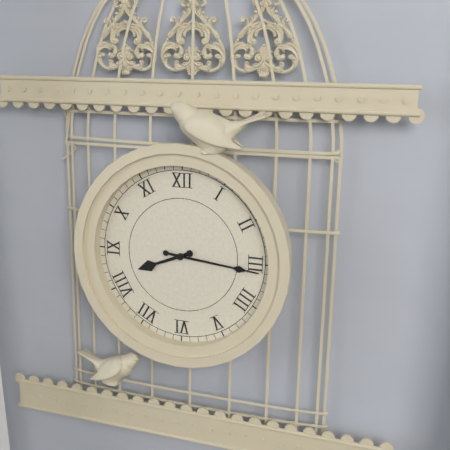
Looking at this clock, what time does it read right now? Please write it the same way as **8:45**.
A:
**8:16**
